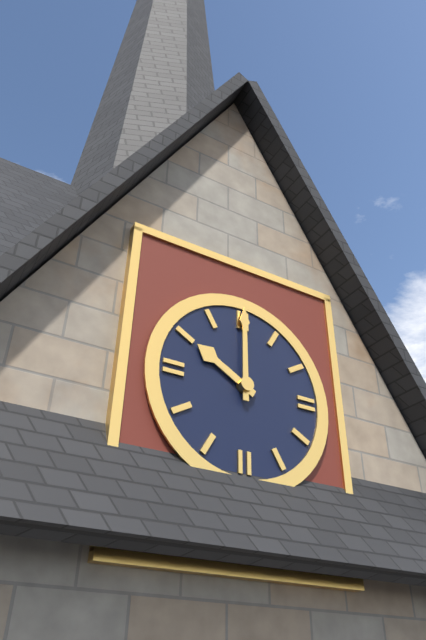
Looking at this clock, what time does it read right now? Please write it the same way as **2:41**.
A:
**10:00**
